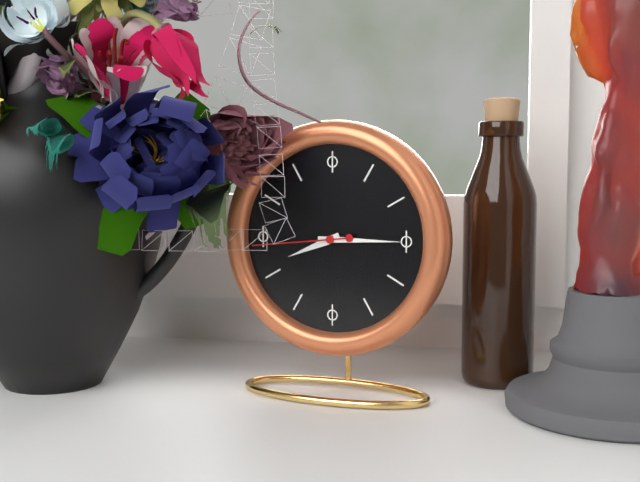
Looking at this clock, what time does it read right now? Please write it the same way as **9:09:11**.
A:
**8:15:44**
